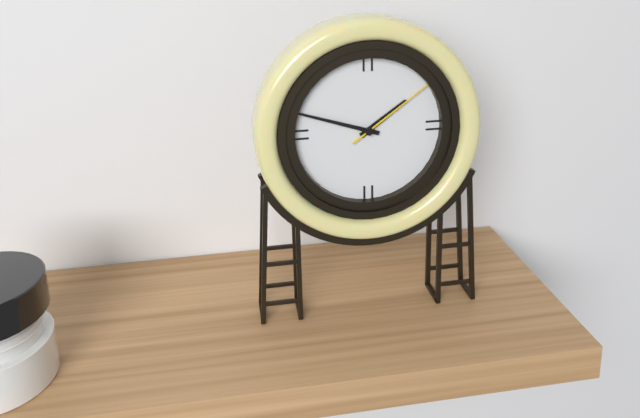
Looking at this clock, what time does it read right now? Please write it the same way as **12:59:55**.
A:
**1:48:09**
